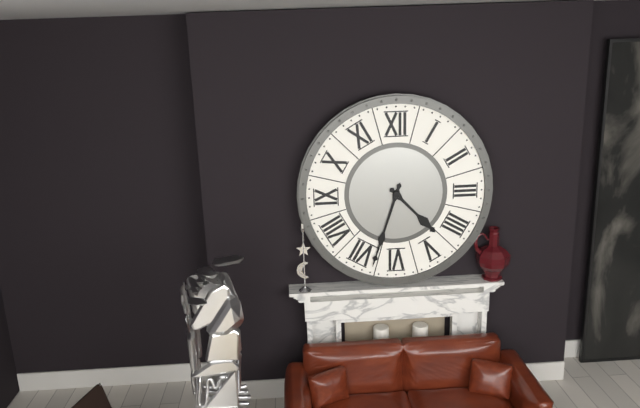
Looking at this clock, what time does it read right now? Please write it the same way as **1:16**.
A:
**4:33**
